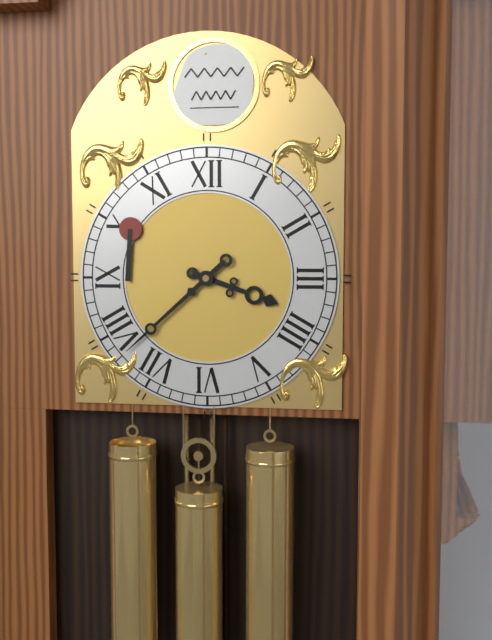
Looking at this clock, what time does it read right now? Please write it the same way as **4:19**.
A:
**3:38**
